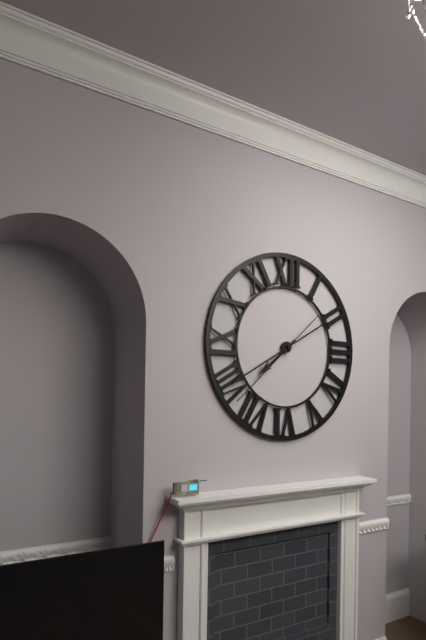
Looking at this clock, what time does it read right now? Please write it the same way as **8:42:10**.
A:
**7:40:38**
